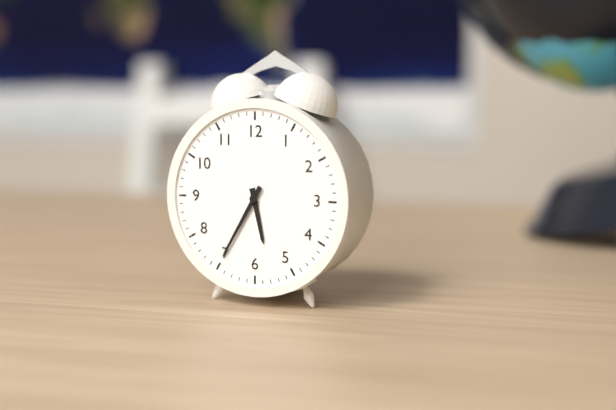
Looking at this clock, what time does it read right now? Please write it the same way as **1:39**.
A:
**5:35**
